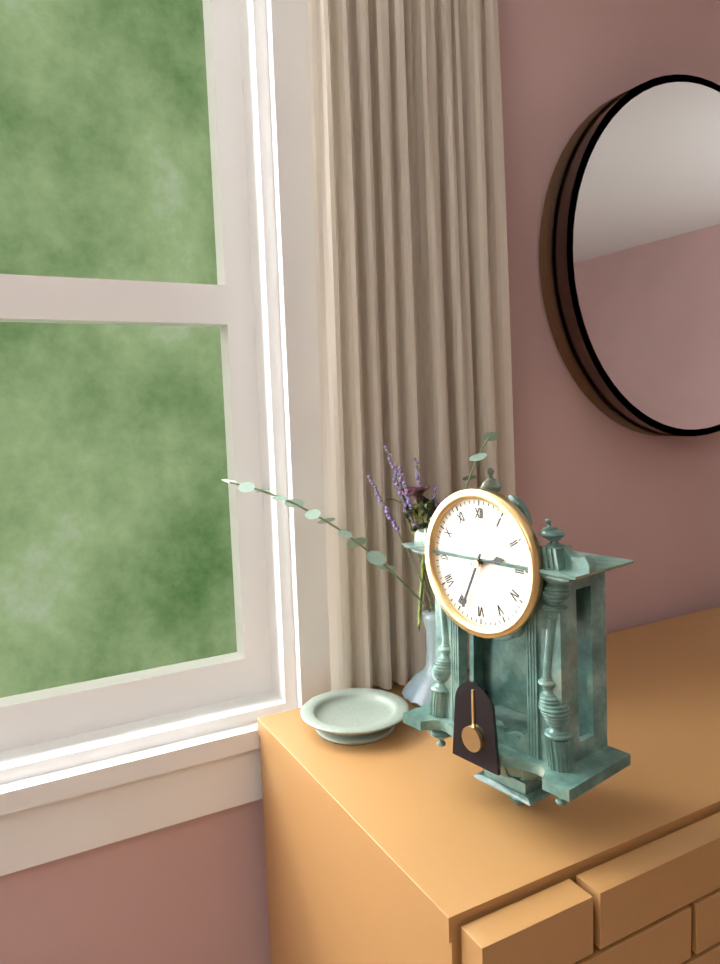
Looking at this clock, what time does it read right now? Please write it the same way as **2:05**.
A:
**2:34**
